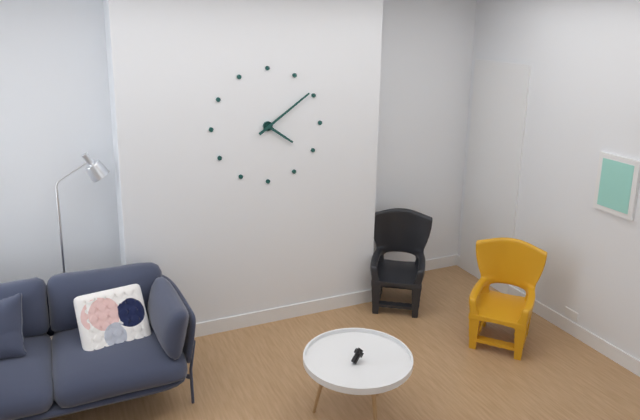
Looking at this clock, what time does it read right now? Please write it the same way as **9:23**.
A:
**4:09**
